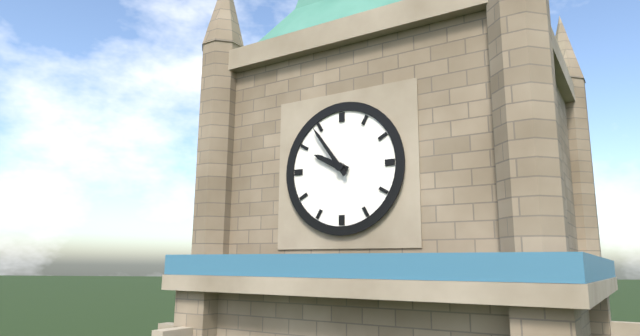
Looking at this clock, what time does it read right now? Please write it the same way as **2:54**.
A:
**9:54**
